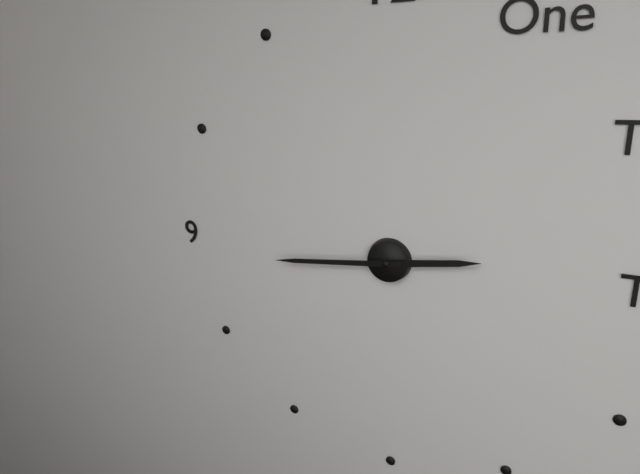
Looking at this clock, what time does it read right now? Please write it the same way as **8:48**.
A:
**2:44**
